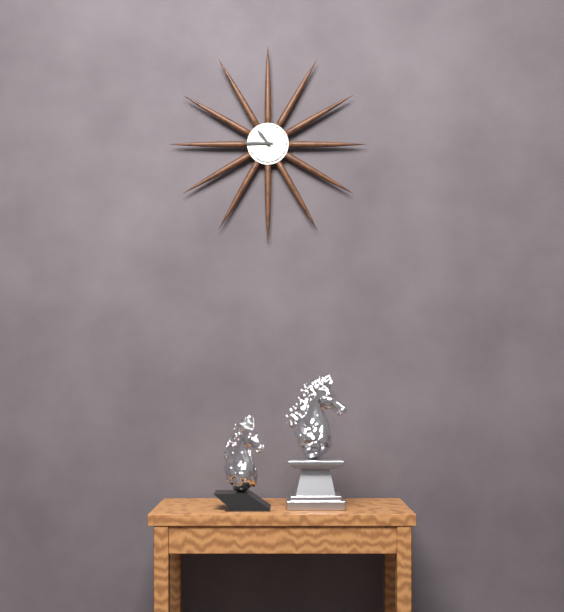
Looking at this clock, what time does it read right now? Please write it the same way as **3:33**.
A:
**10:45**
